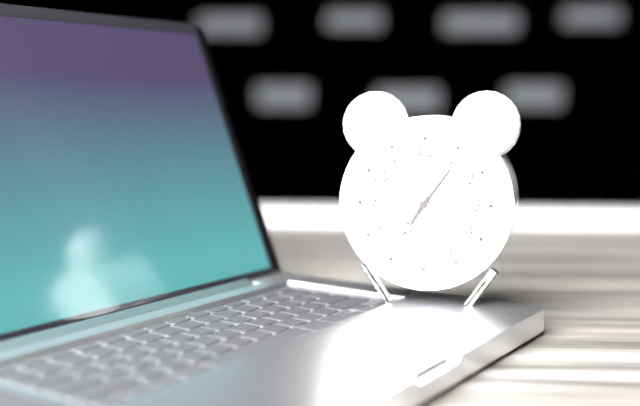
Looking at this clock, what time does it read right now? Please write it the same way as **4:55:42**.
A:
**7:06:11**
